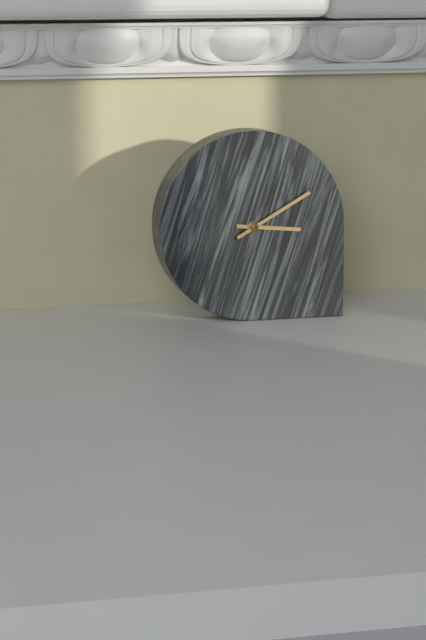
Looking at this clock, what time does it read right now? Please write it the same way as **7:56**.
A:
**3:10**
